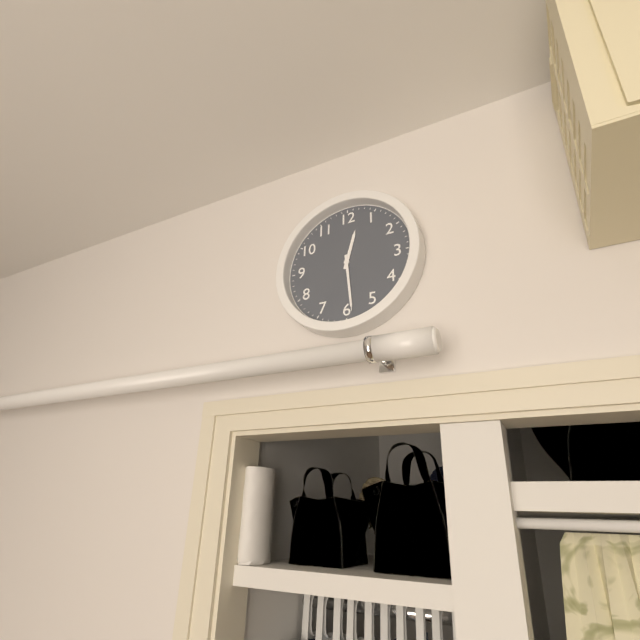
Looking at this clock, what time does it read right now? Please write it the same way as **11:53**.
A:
**12:29**
